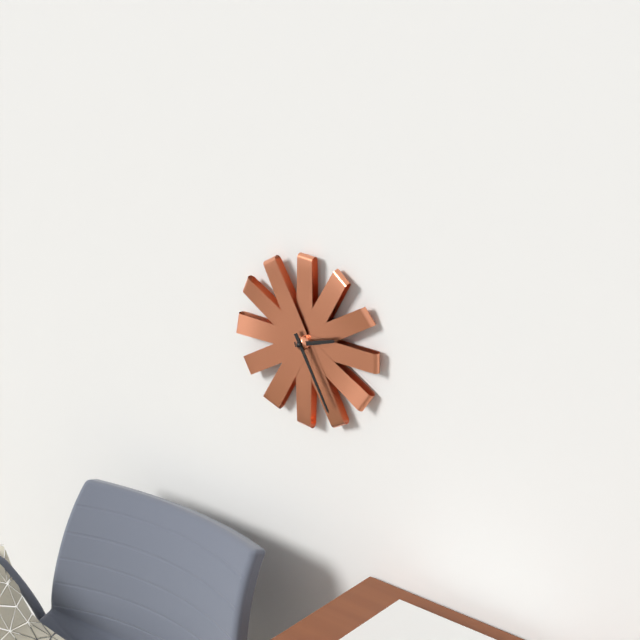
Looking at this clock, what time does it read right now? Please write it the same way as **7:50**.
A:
**2:25**
